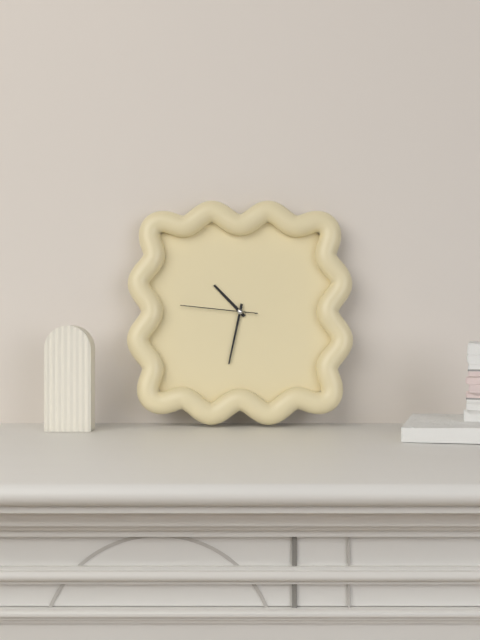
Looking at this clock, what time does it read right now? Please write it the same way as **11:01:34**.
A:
**10:32:46**
